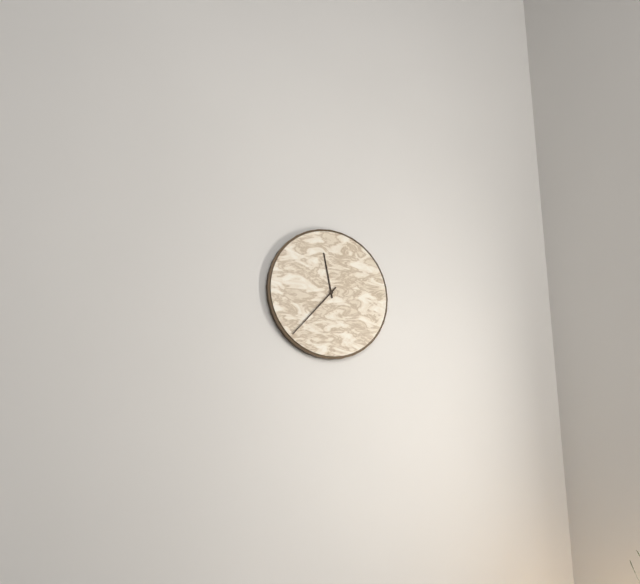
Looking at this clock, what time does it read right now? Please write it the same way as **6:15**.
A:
**11:37**
